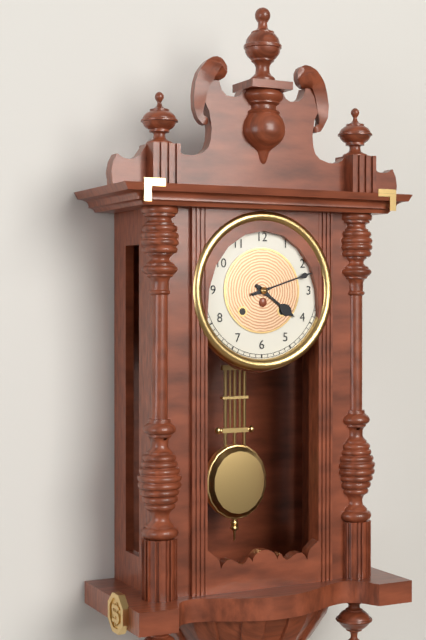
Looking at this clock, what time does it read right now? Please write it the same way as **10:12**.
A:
**4:12**
